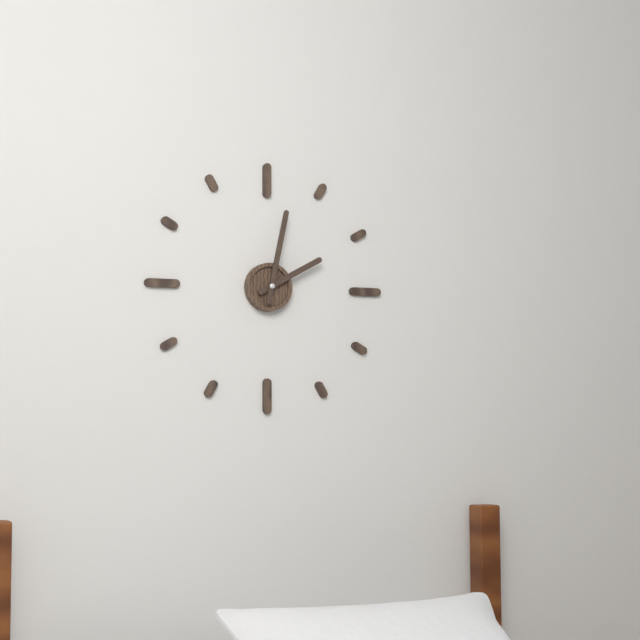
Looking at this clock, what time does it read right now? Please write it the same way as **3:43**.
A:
**2:02**
